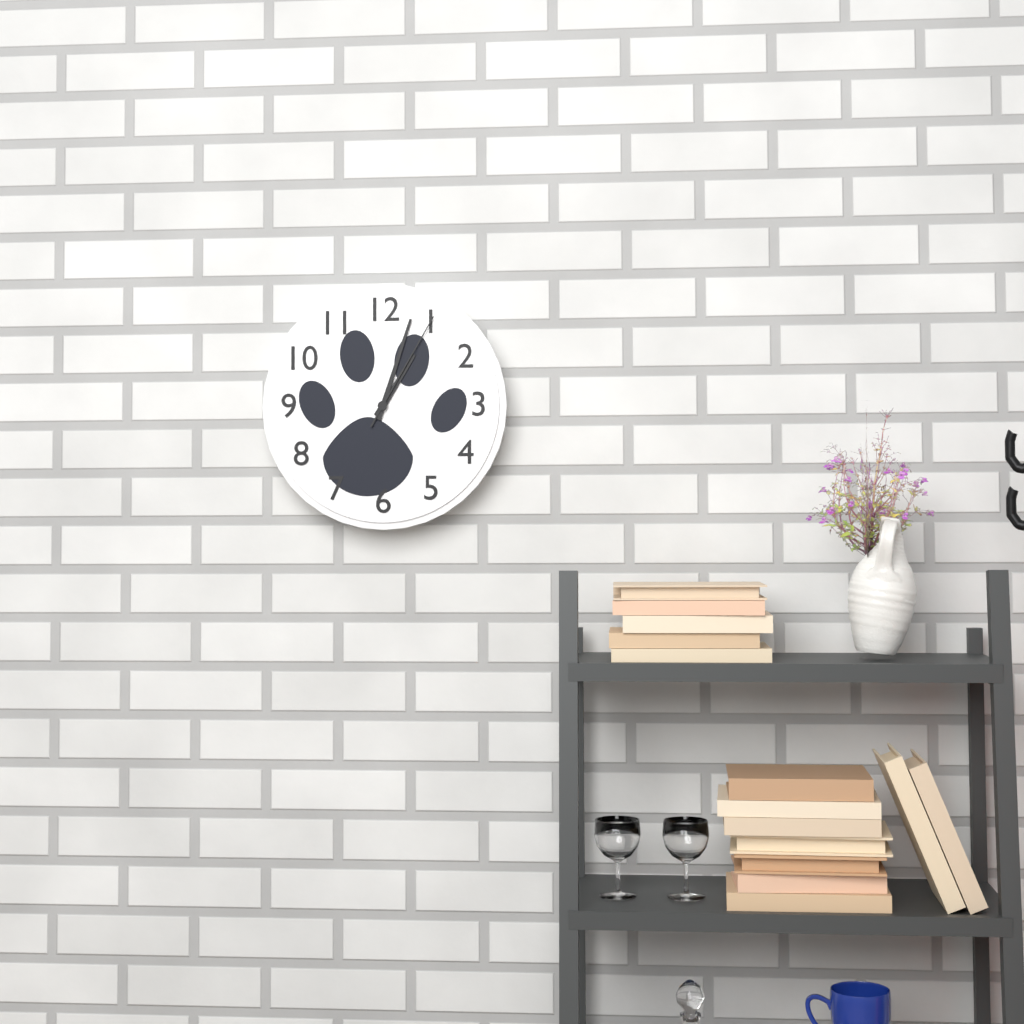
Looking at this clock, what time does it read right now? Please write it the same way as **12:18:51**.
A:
**1:03:05**
